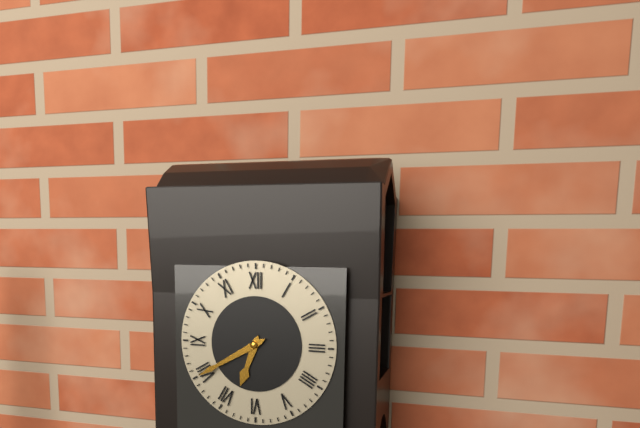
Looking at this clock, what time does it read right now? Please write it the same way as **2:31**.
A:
**6:40**
